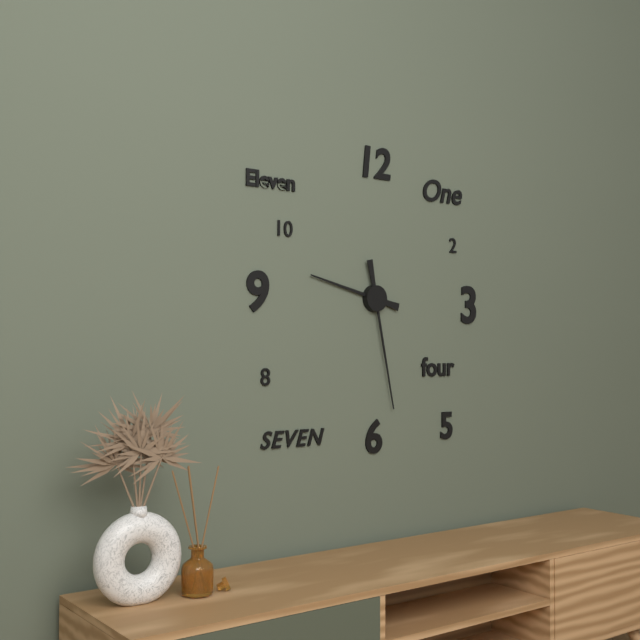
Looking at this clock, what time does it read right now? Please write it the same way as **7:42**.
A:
**9:28**
